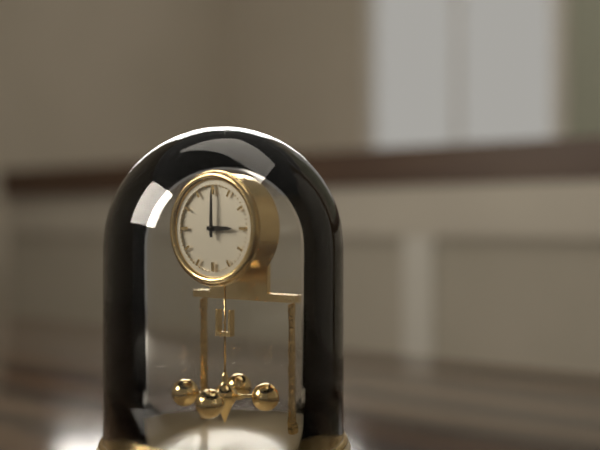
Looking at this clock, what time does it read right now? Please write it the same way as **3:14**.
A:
**3:00**
